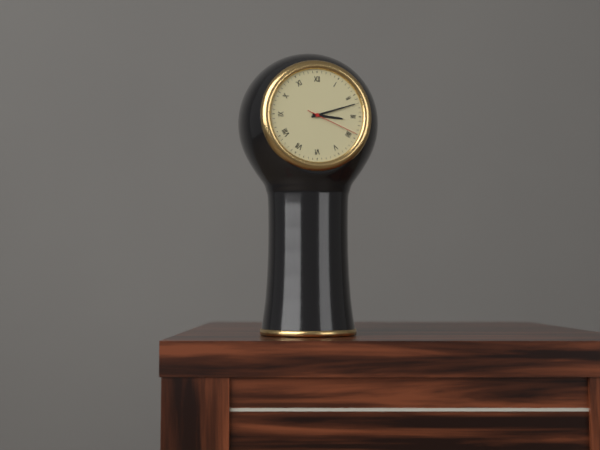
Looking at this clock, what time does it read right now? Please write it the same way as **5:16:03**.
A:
**3:12:19**
